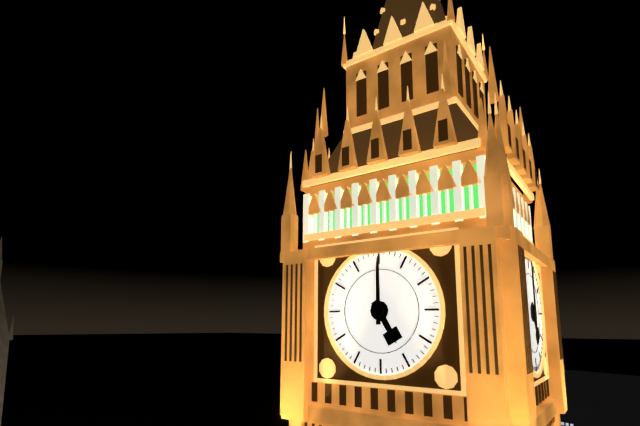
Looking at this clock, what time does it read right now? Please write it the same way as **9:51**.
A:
**5:00**
